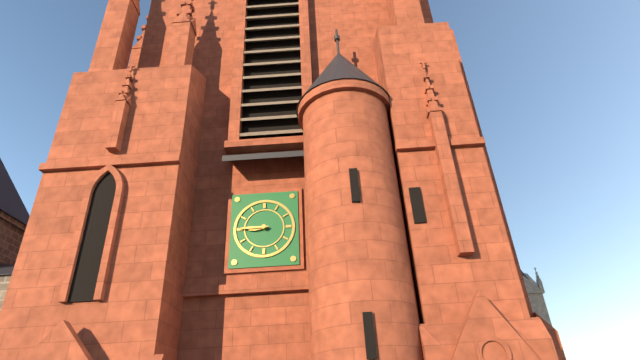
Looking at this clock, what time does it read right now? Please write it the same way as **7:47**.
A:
**8:45**
